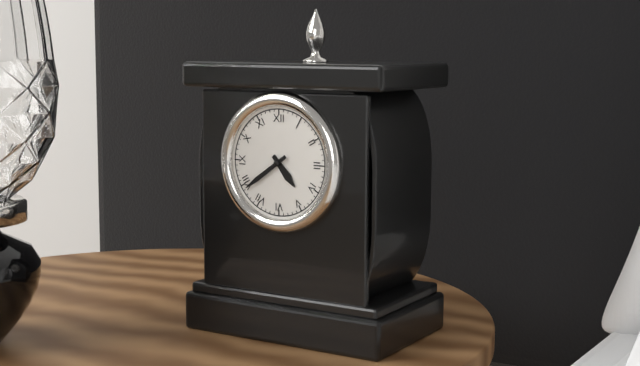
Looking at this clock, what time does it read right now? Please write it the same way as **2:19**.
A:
**4:39**
